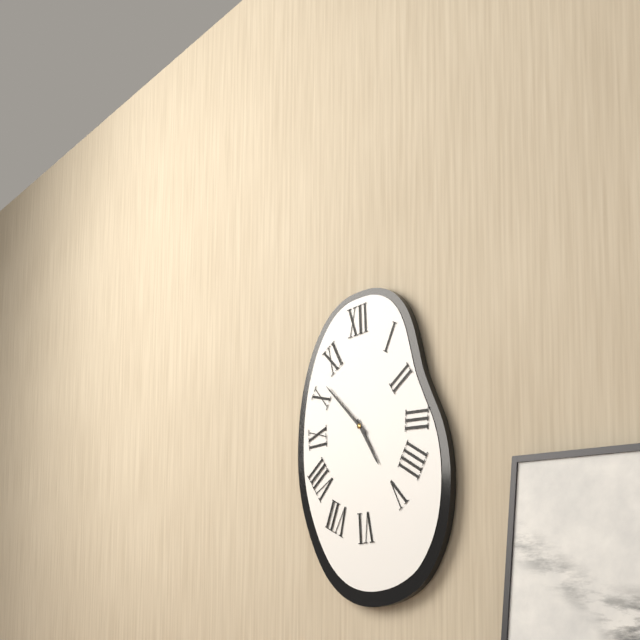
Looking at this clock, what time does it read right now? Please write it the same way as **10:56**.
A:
**4:52**
